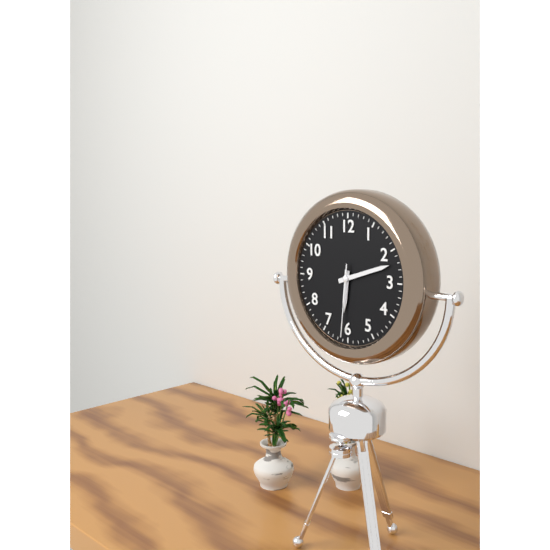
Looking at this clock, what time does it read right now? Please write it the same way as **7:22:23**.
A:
**6:12:31**
